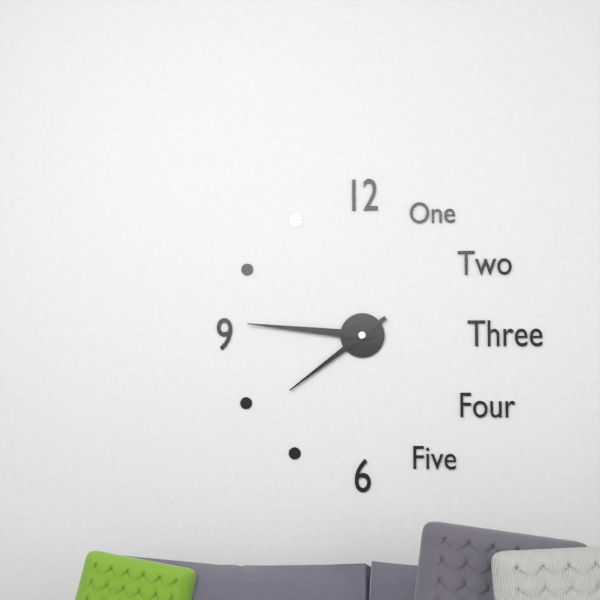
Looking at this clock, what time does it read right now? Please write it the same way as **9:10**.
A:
**7:46**
